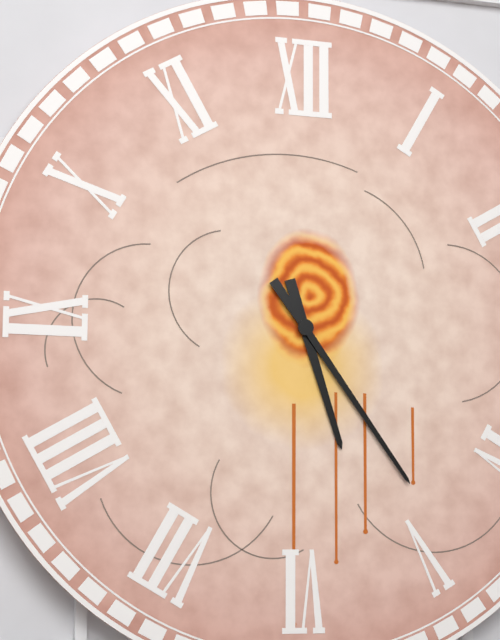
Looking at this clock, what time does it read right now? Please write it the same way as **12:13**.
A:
**5:24**
